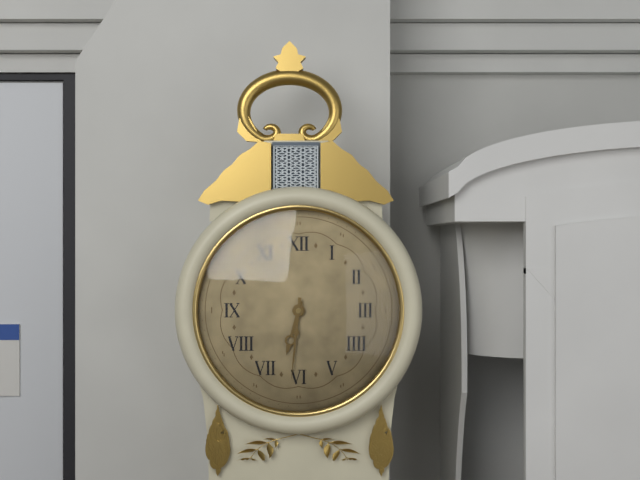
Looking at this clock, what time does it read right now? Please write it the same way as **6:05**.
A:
**6:31**
